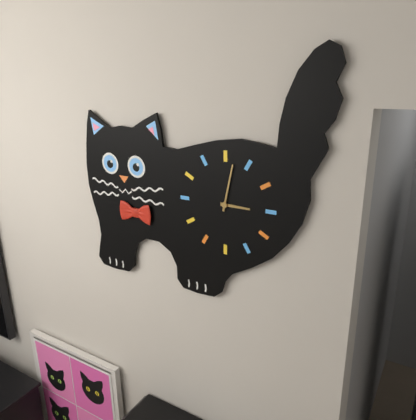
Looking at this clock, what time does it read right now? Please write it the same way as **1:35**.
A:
**3:02**
